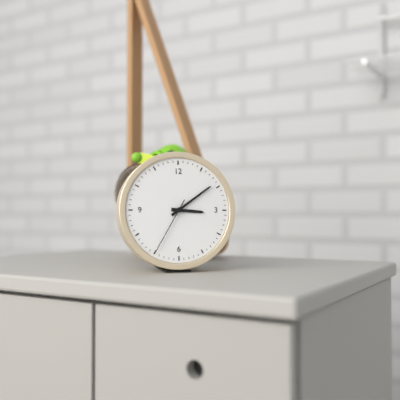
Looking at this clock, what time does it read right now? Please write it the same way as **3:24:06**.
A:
**3:09:35**
